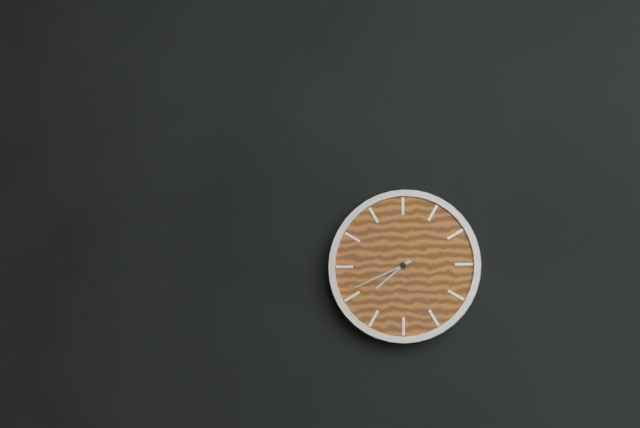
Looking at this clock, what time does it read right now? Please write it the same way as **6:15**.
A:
**7:41**
